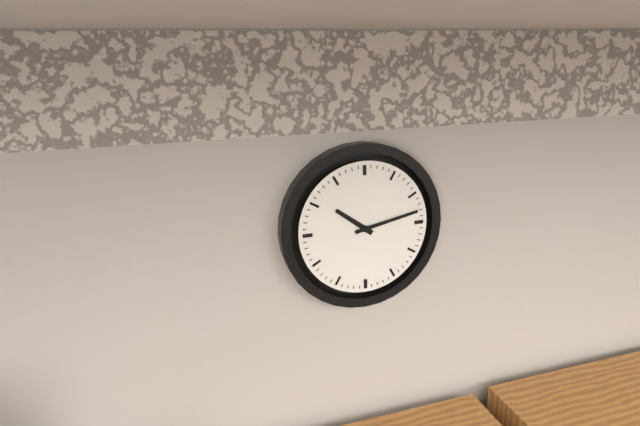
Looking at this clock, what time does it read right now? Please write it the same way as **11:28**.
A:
**10:13**
